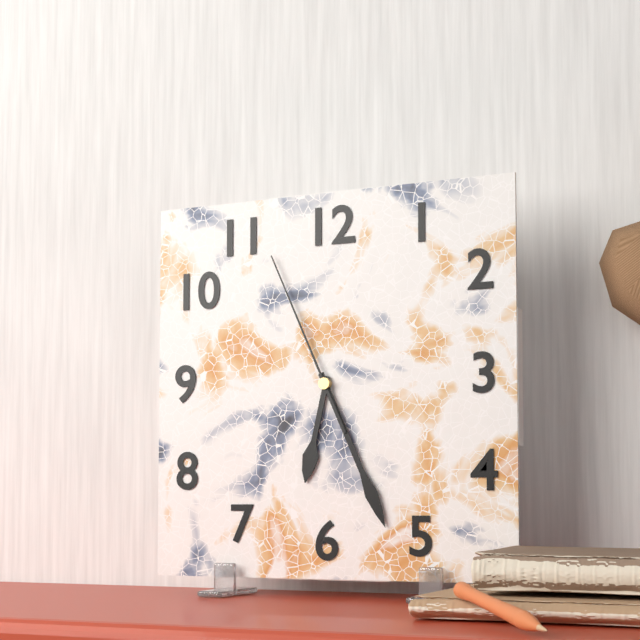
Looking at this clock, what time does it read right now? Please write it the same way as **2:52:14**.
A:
**6:26:56**
